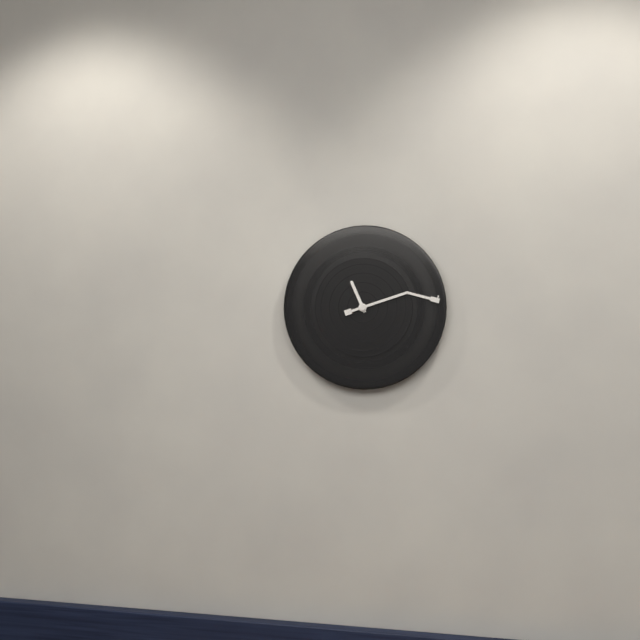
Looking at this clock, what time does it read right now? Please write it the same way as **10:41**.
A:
**11:12**
